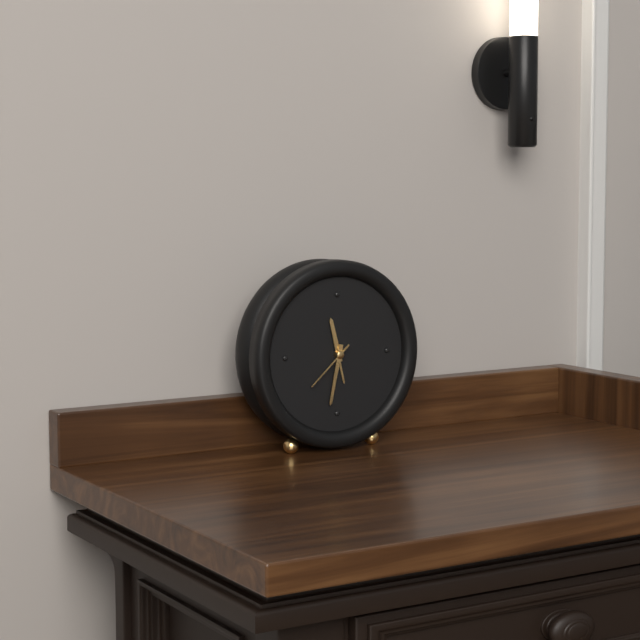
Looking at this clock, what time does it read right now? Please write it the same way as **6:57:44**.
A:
**11:32:38**
